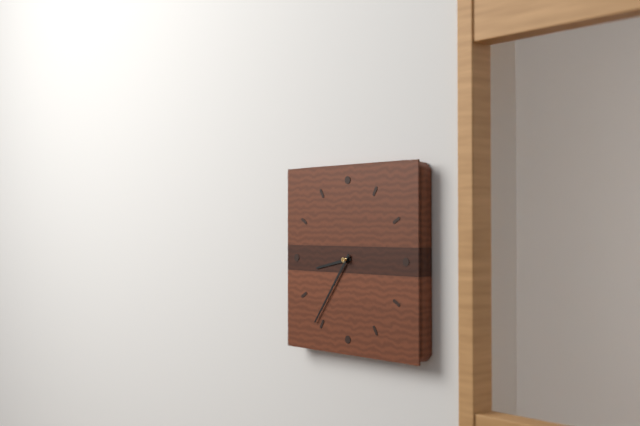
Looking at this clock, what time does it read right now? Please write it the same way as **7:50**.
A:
**8:36**
